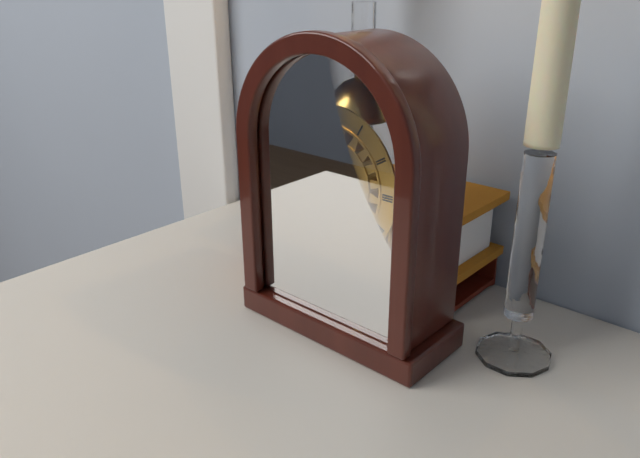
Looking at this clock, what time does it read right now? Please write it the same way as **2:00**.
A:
**6:37**
